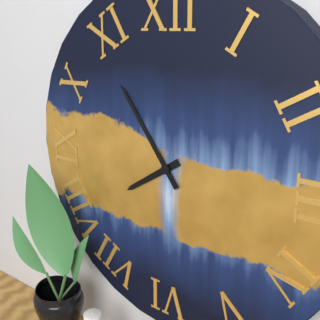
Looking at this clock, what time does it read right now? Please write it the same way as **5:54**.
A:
**7:54**
